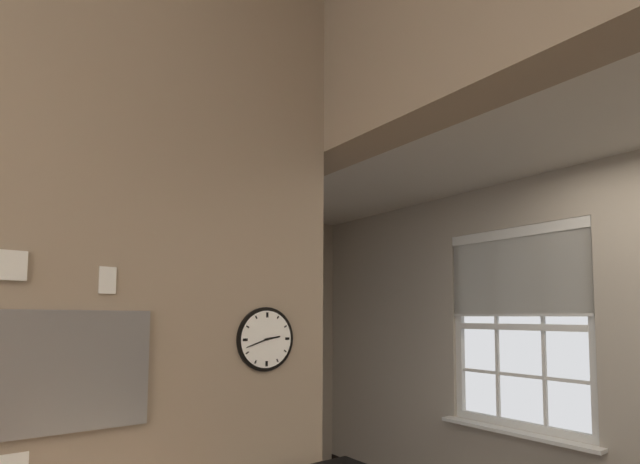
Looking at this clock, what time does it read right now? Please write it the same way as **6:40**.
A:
**2:42**
